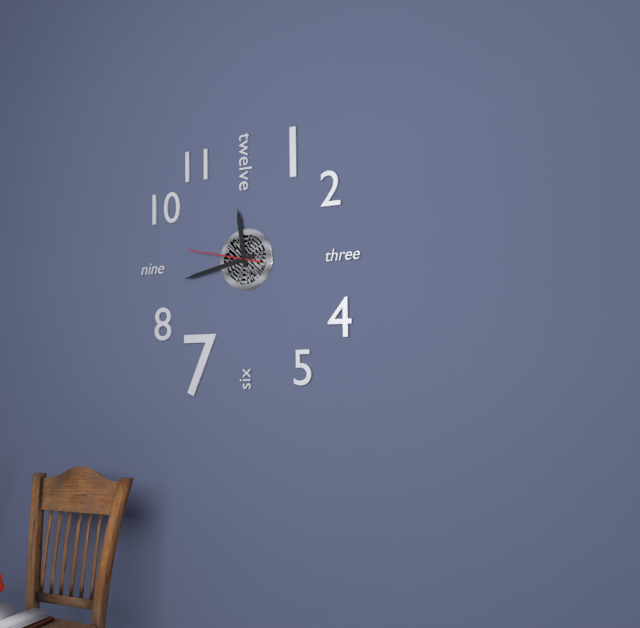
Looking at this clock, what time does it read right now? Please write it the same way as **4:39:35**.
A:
**11:43:47**
